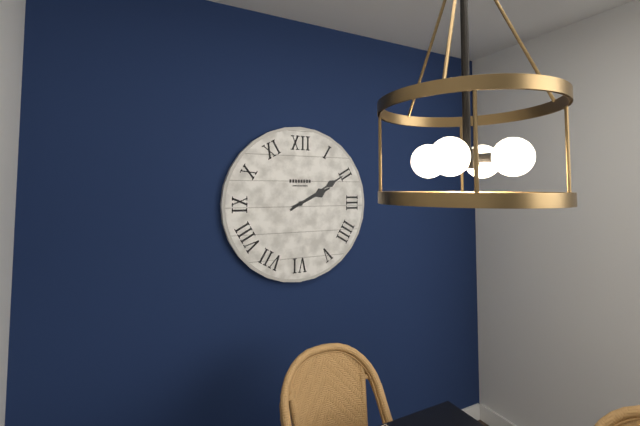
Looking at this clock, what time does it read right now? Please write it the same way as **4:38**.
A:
**2:10**
